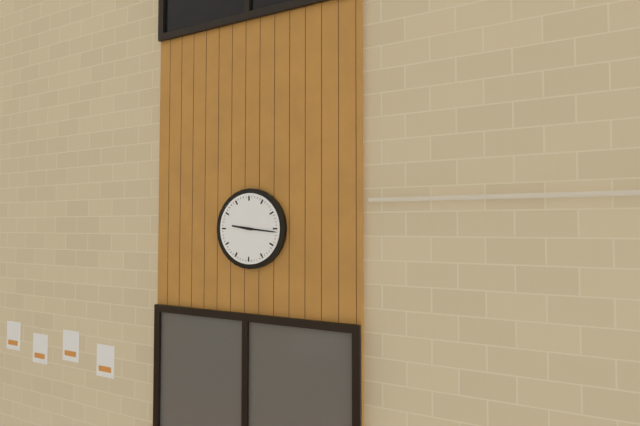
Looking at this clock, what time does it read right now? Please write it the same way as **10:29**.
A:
**9:16**
